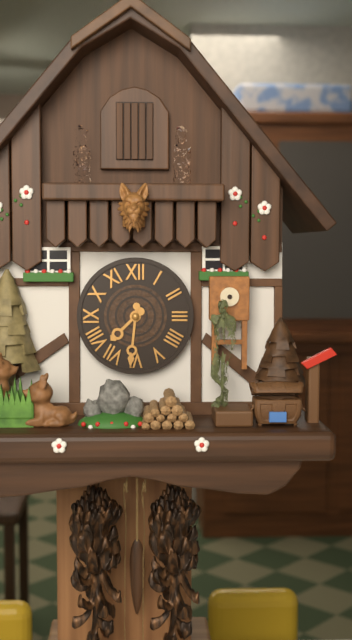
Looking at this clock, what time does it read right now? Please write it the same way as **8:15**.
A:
**7:31**
